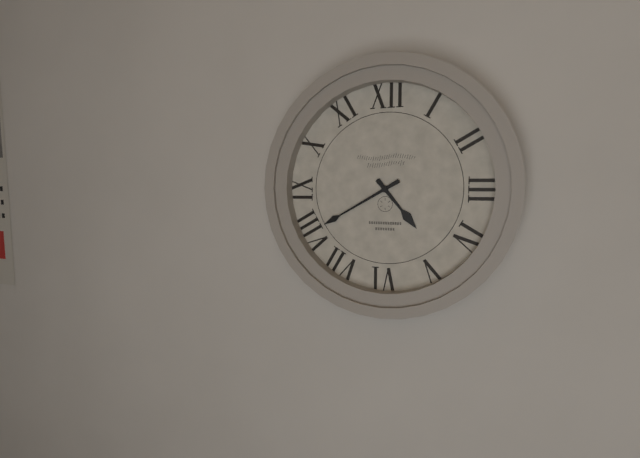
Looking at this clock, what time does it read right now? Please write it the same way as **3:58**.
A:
**4:40**
